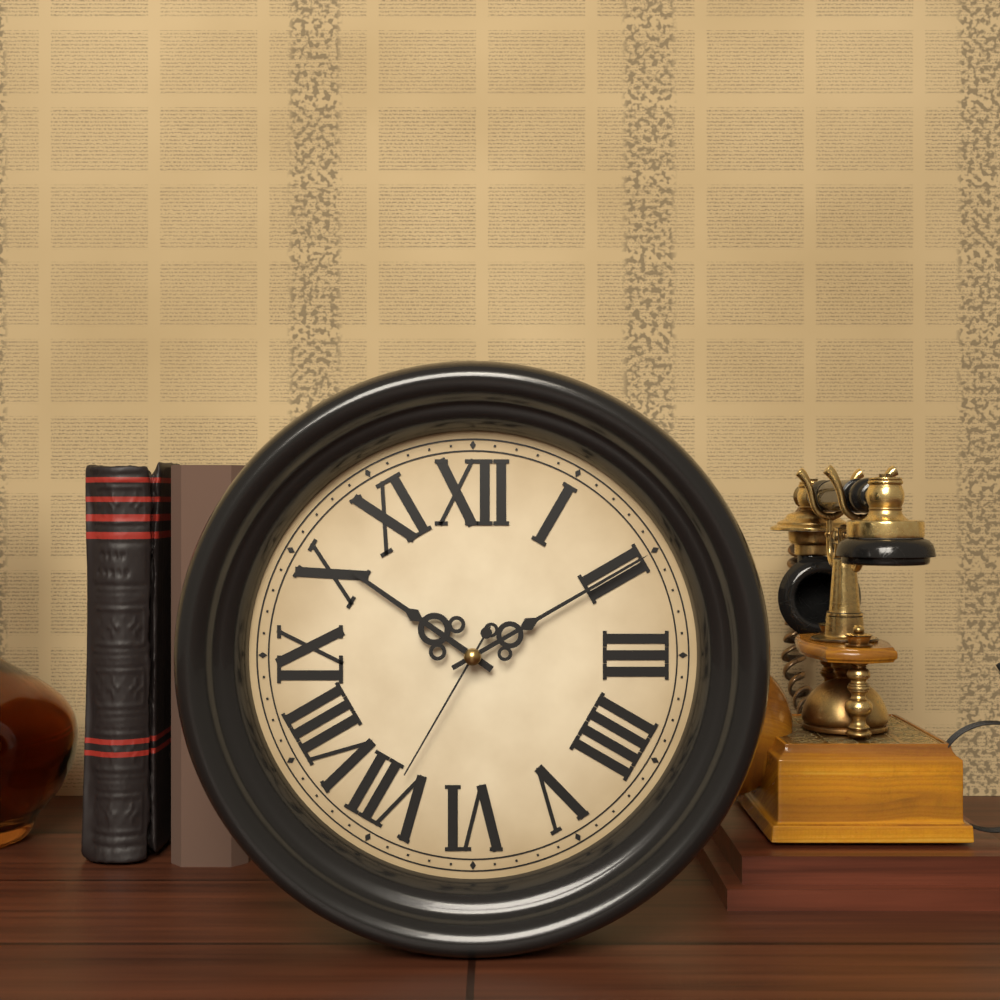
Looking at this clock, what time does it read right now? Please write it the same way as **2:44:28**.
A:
**10:10:35**
